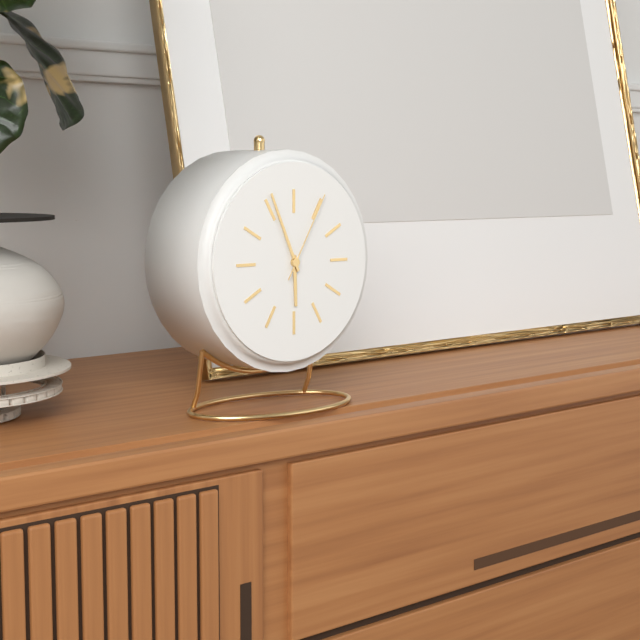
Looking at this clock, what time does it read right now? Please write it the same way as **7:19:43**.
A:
**5:56:05**
